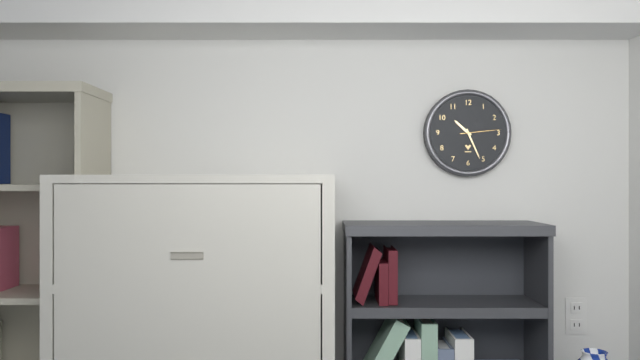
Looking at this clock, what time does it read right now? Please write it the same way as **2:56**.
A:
**10:26**
